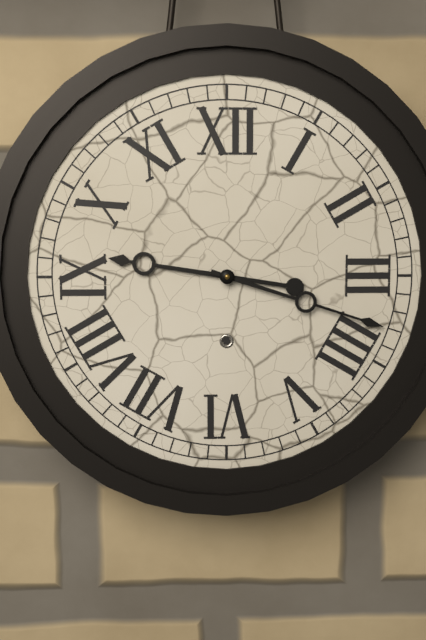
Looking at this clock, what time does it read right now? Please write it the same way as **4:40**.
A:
**9:18**
